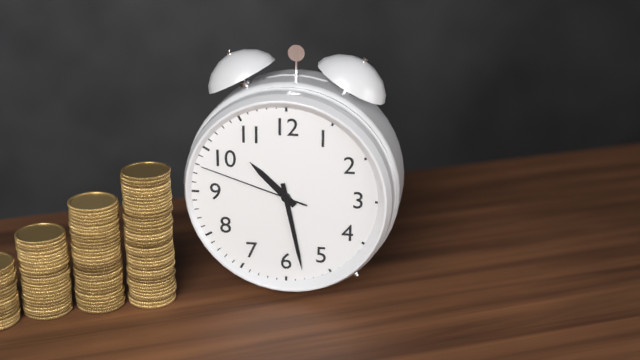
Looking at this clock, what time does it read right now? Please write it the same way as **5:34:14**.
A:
**10:28:48**
